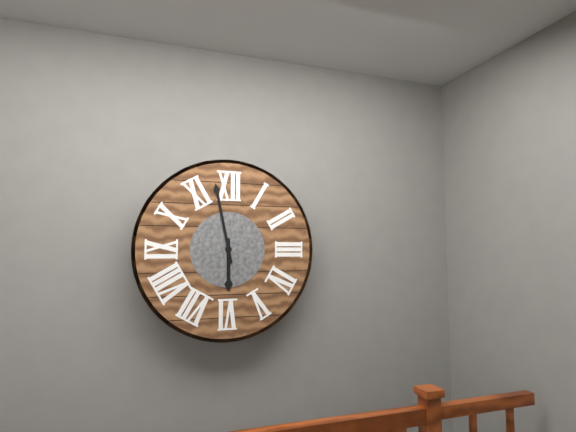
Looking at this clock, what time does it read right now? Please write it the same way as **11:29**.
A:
**5:58**
